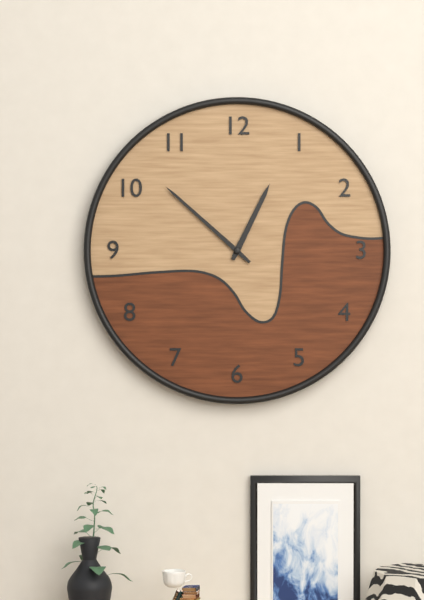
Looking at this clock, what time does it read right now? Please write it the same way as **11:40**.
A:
**12:52**
